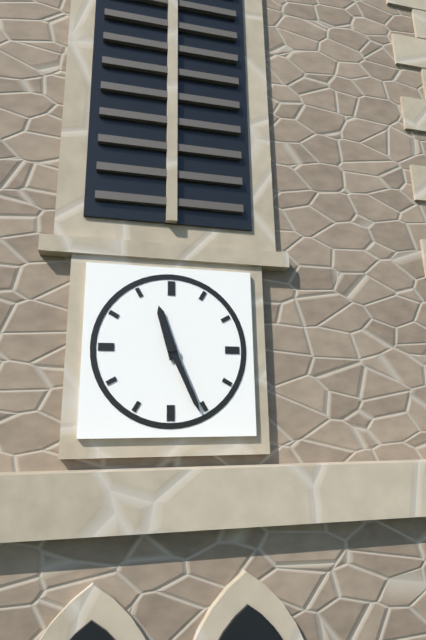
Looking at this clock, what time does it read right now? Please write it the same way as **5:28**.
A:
**11:26**
